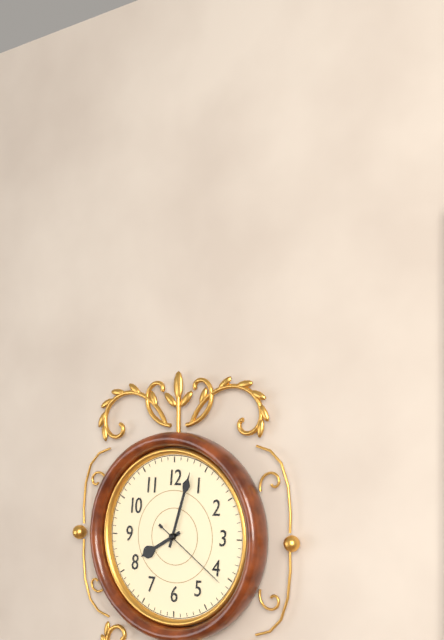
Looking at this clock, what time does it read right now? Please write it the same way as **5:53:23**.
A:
**8:03:21**
